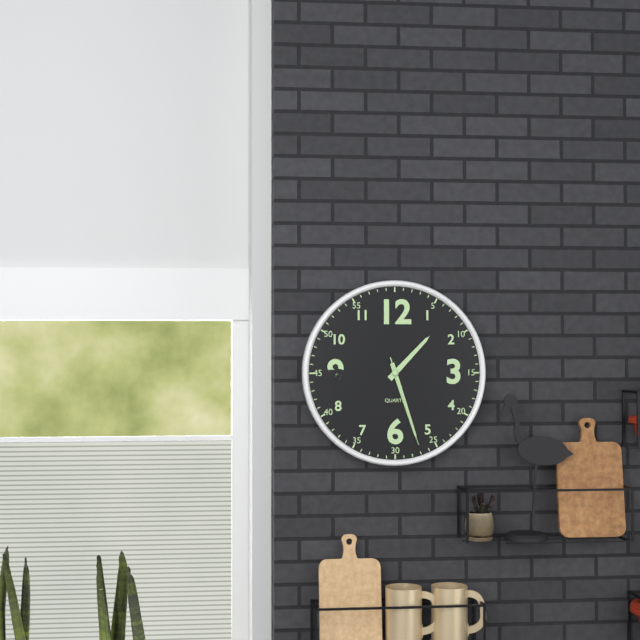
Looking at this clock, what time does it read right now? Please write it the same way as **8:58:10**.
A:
**1:27:27**
